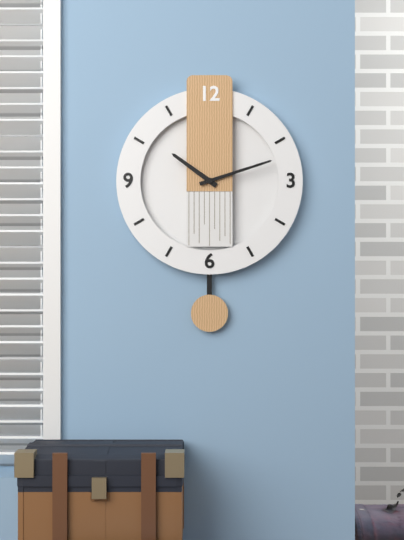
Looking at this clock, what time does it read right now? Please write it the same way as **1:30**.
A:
**10:12**
